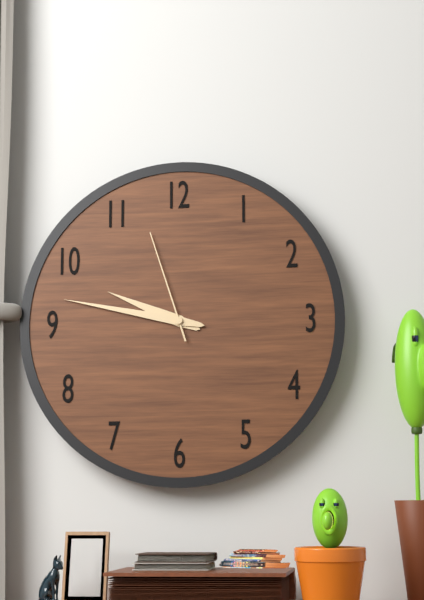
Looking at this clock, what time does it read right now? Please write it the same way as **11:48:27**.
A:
**9:47:57**
